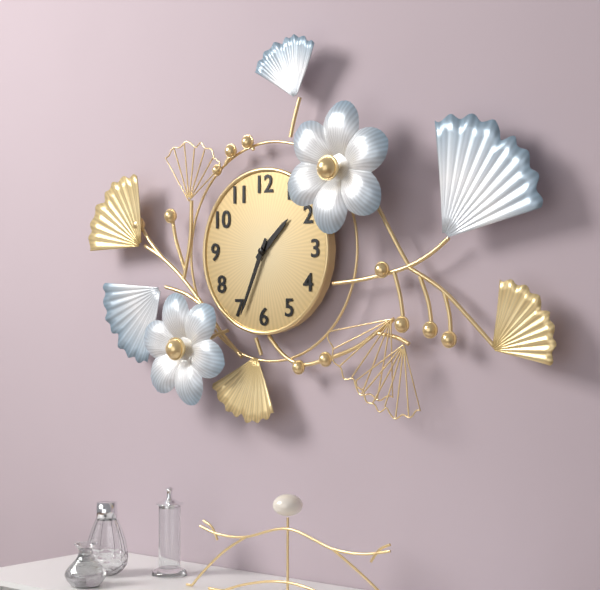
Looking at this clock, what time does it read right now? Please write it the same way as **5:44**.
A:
**1:34**
